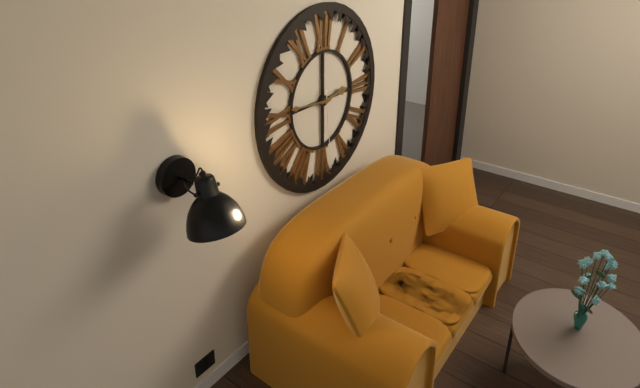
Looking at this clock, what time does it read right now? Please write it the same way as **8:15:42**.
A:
**2:46:29**
